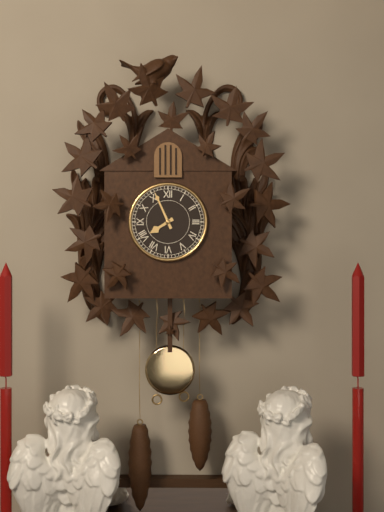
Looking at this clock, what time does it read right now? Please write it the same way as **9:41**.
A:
**7:56**
